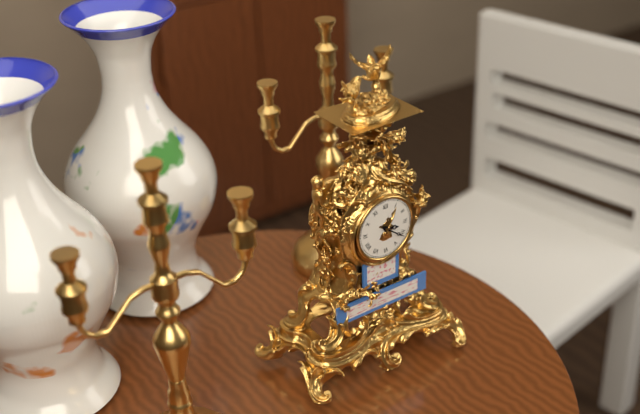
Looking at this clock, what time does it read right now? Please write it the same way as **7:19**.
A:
**3:21**
